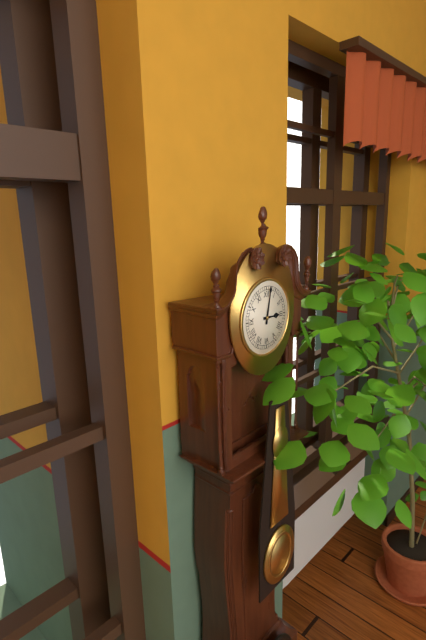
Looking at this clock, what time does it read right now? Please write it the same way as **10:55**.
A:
**3:02**
